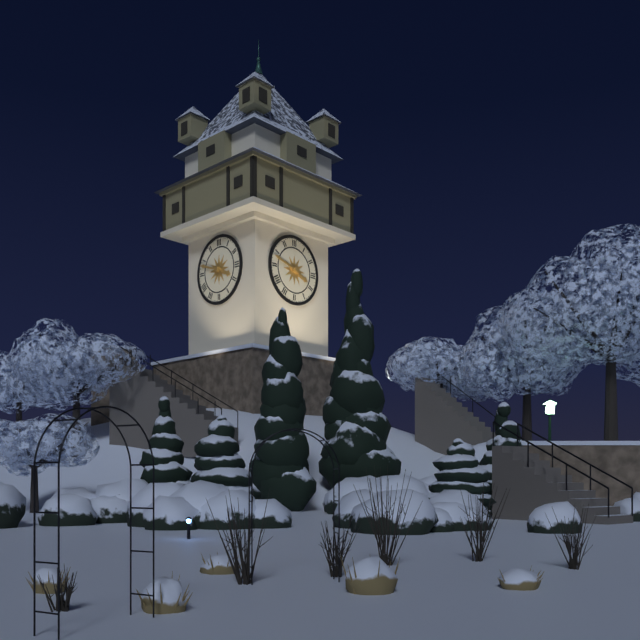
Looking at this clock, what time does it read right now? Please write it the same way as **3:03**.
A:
**3:48**
